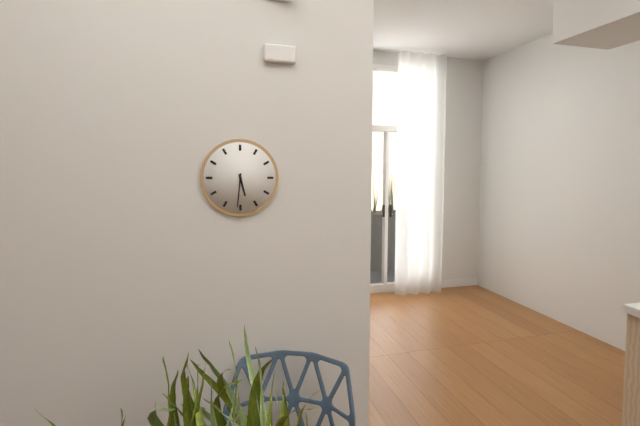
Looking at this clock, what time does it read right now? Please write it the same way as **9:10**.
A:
**5:31**
